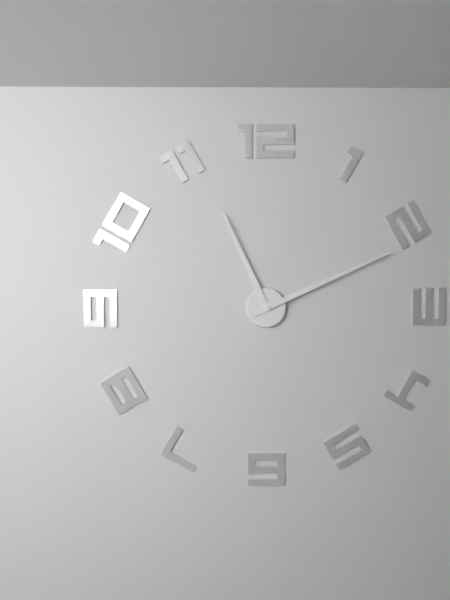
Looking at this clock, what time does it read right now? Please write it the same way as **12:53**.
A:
**11:11**
